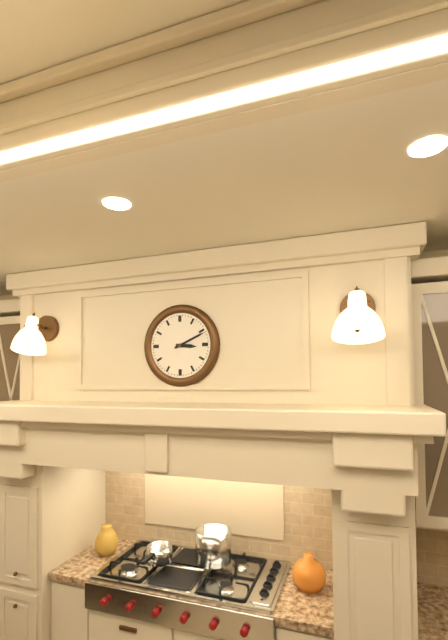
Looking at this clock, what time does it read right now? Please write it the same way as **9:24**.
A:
**3:11**
